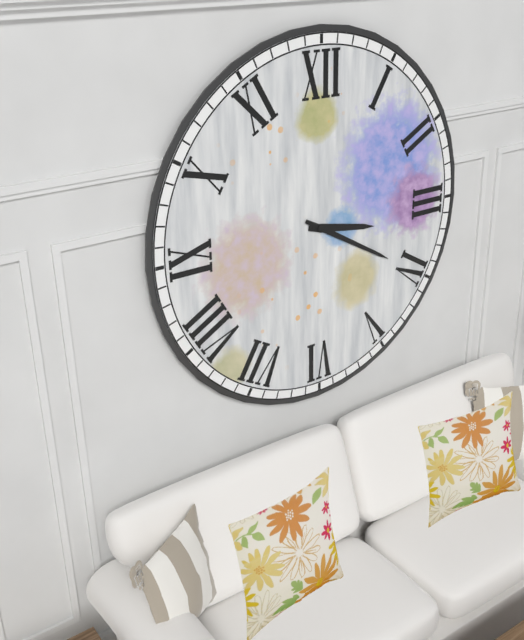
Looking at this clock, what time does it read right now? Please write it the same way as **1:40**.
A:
**3:20**
